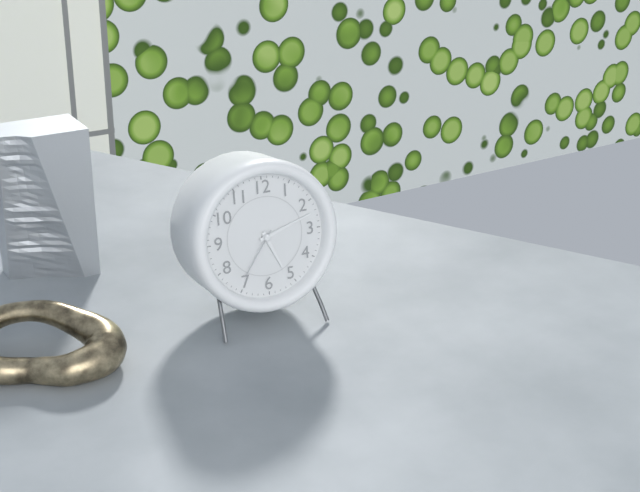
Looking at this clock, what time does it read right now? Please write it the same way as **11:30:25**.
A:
**5:12:36**
